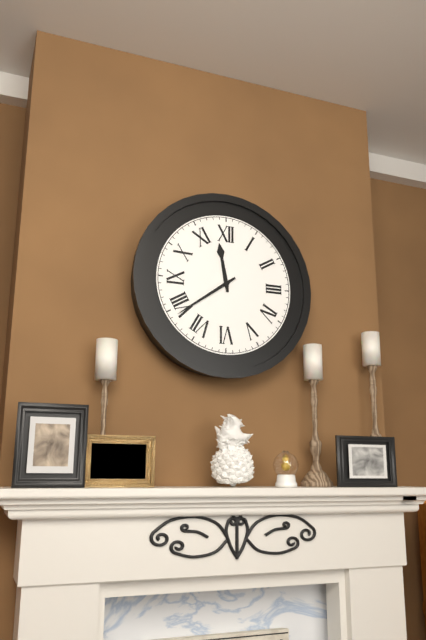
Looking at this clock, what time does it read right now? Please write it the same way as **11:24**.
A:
**11:39**
